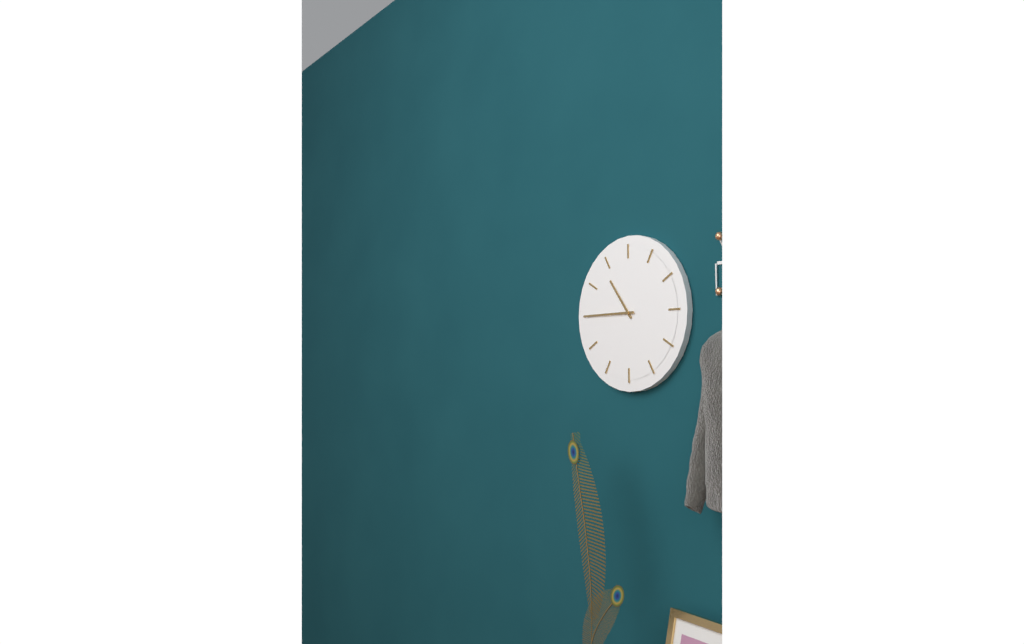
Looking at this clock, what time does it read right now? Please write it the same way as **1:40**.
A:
**10:45**
